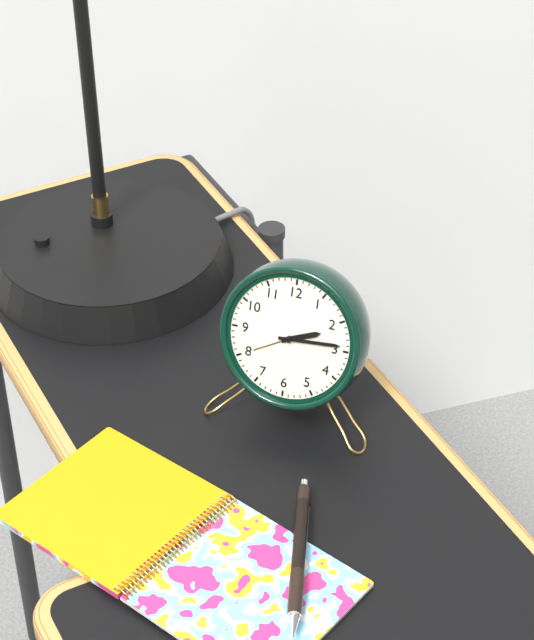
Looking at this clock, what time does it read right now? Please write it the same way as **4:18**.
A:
**2:14**
